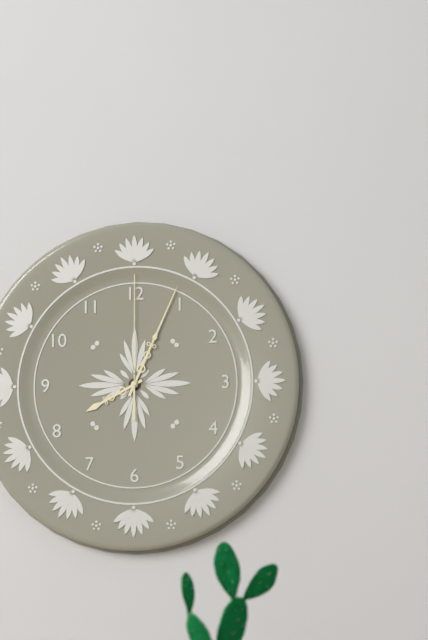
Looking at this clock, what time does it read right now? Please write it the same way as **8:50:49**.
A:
**8:04:00**
